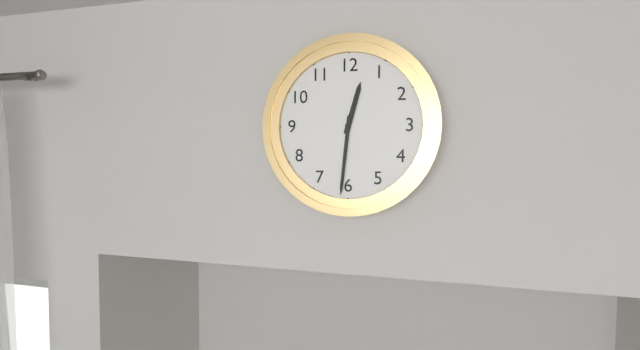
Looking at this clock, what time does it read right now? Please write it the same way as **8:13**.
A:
**12:31**
